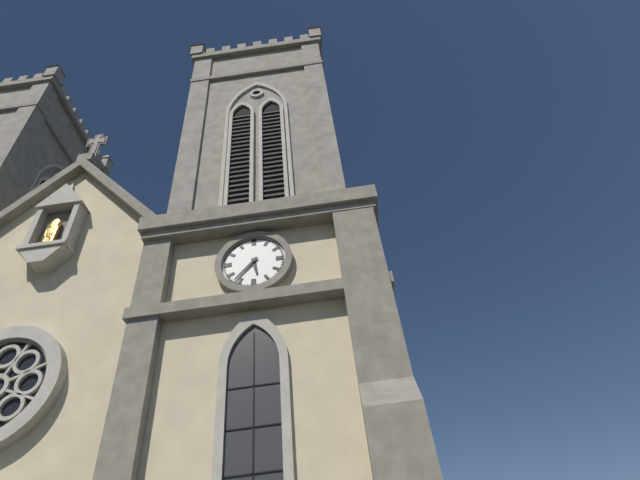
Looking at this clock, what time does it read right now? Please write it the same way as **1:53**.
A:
**5:37**
